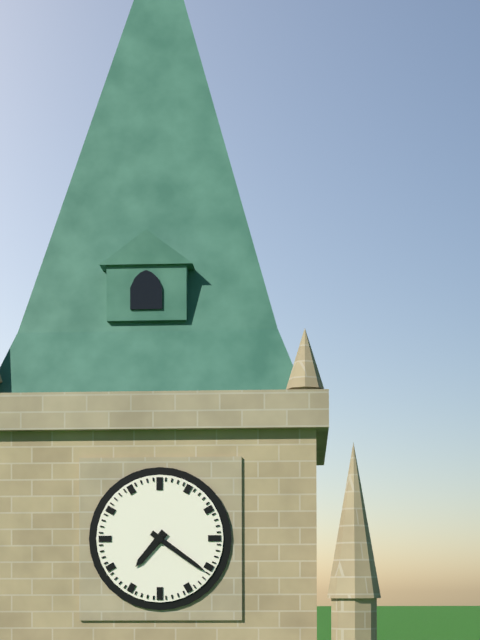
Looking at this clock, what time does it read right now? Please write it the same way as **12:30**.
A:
**7:21**
